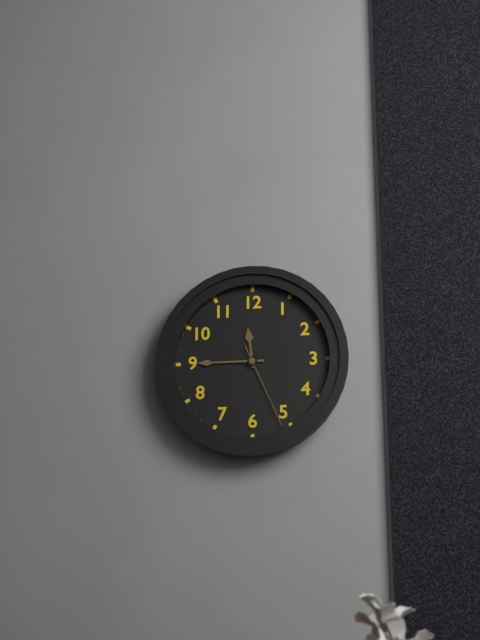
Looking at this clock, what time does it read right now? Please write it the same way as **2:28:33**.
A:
**11:45:26**
